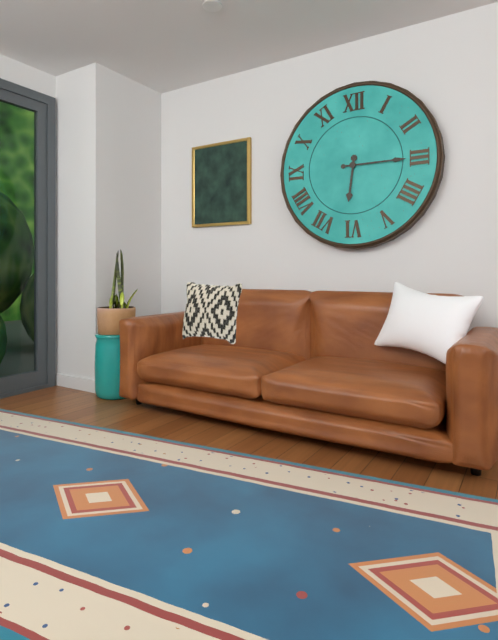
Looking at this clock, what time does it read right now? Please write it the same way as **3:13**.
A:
**6:15**
